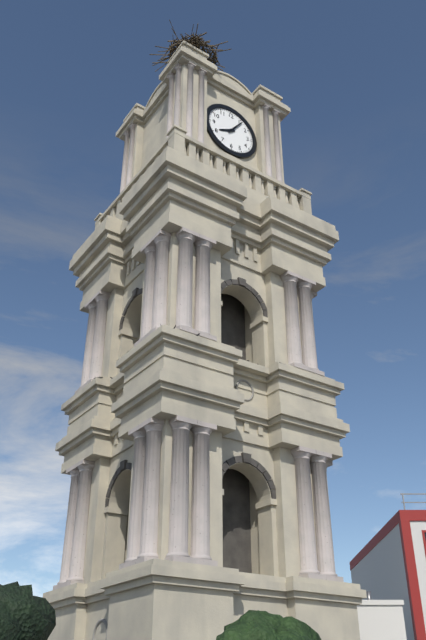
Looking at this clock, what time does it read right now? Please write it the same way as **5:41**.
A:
**8:06**
